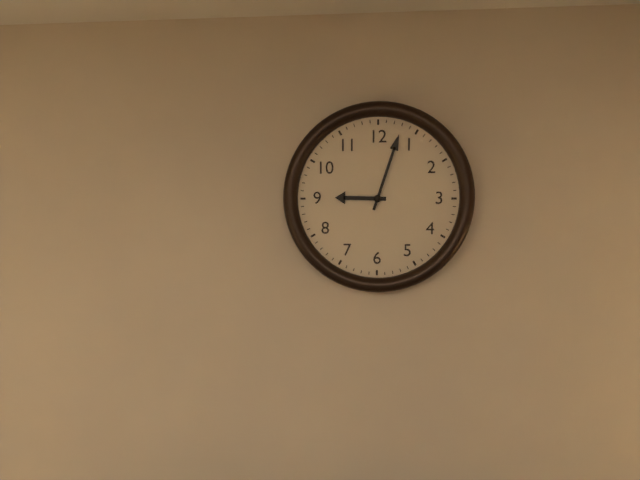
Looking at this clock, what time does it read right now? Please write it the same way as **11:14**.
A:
**9:03**
